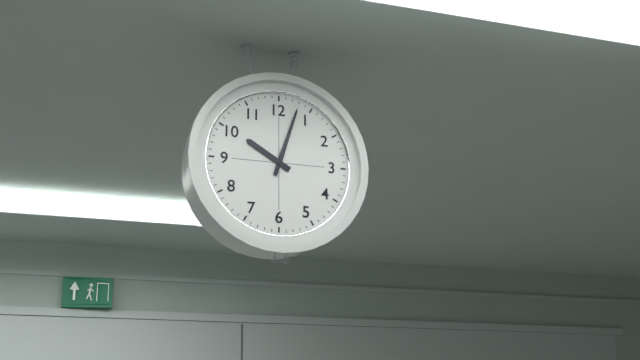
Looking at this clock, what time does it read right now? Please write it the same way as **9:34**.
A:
**10:03**
